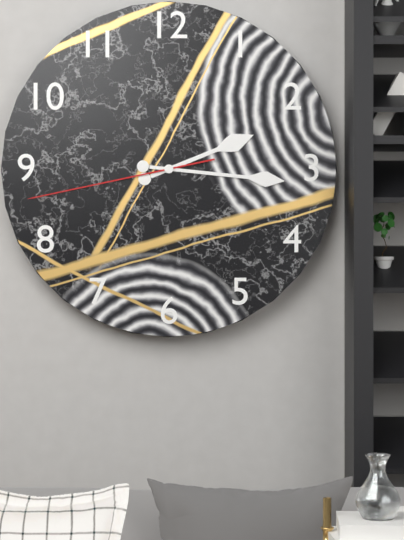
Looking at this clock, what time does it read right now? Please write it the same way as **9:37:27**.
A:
**2:16:43**
